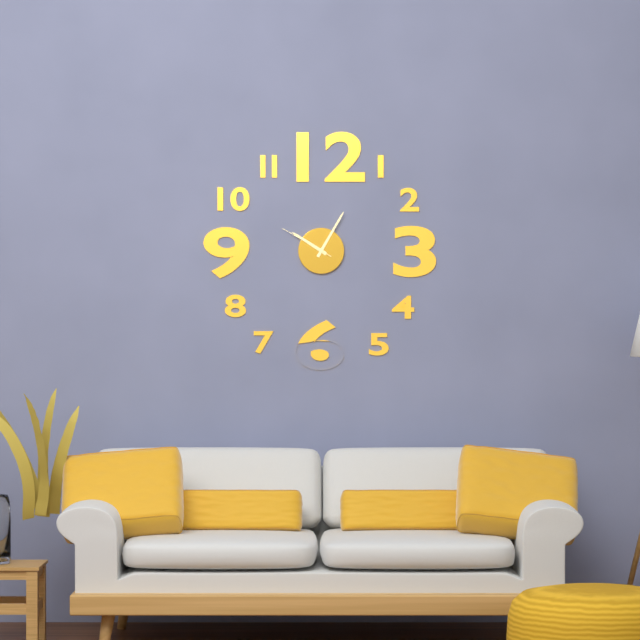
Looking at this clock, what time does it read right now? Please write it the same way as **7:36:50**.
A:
**10:05:50**
